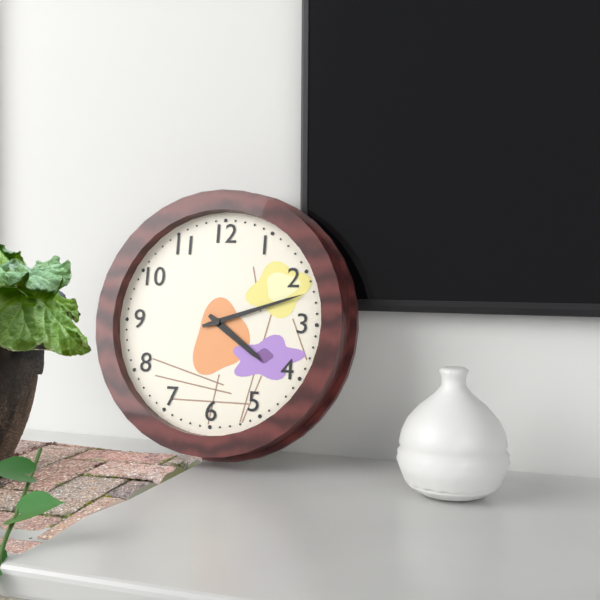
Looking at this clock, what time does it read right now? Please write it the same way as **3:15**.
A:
**4:12**
